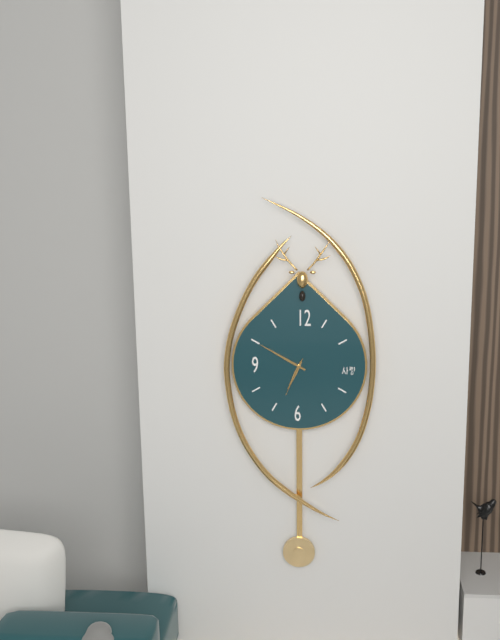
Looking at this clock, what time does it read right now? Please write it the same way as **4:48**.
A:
**6:50**
